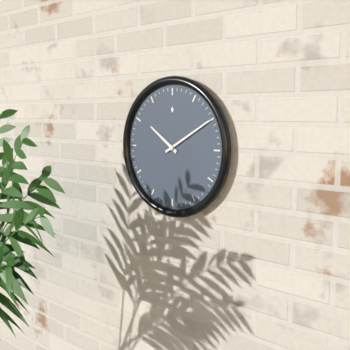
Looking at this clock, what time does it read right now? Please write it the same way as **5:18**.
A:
**10:10**
